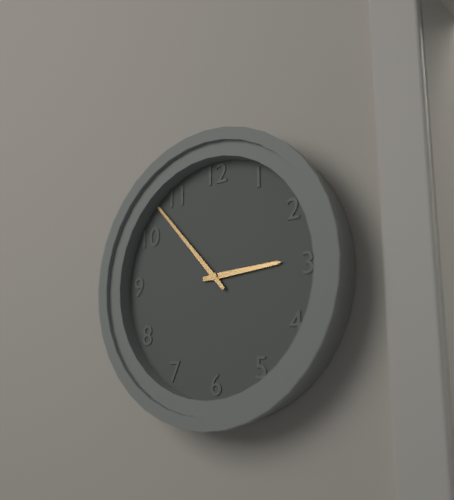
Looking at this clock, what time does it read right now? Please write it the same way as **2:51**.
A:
**2:53**
